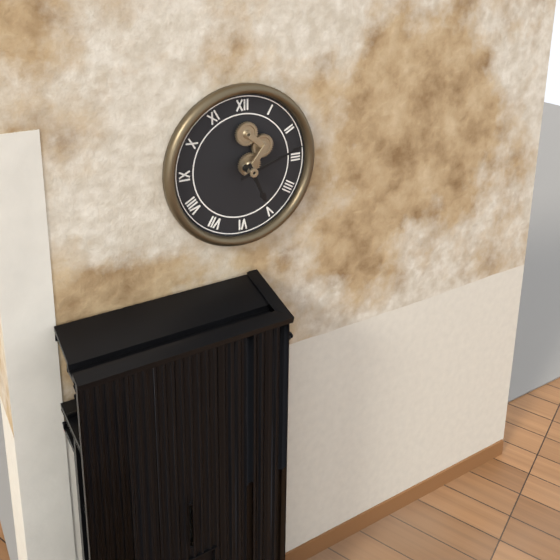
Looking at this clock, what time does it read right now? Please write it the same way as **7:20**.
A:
**5:12**
